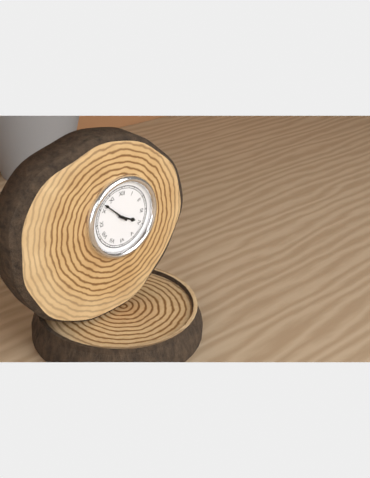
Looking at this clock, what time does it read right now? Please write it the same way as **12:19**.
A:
**3:52**
